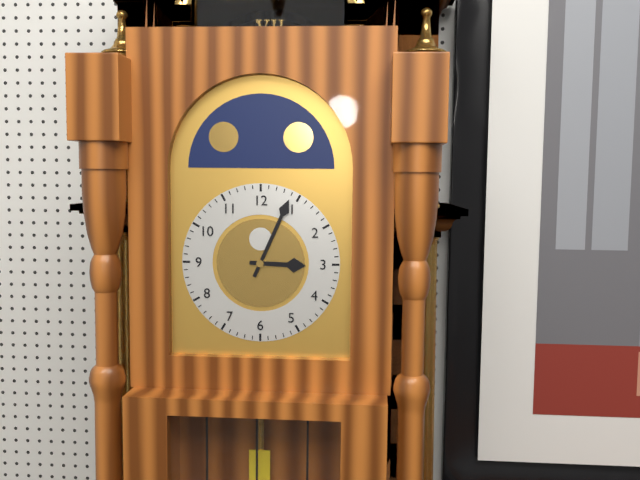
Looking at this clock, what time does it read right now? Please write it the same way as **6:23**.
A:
**3:04**
